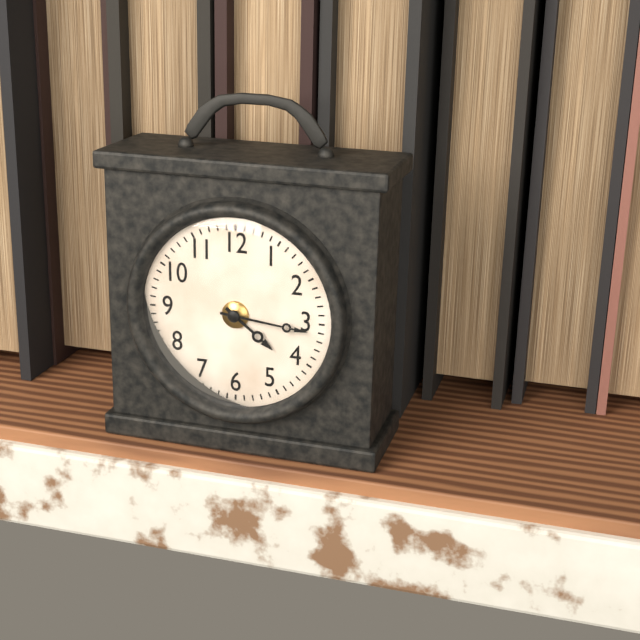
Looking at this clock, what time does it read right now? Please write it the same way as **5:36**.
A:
**4:16**
